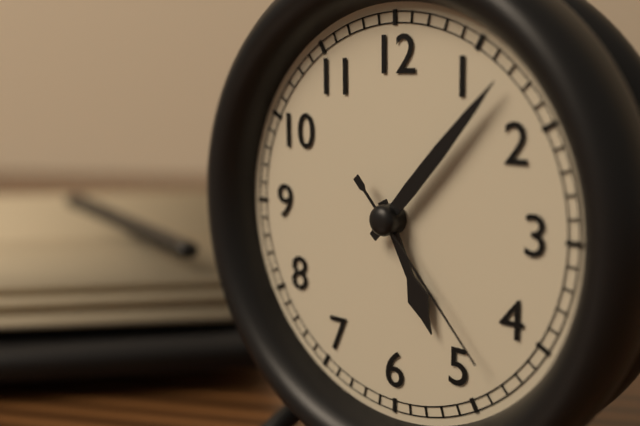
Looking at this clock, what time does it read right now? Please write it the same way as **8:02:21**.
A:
**5:07:23**
